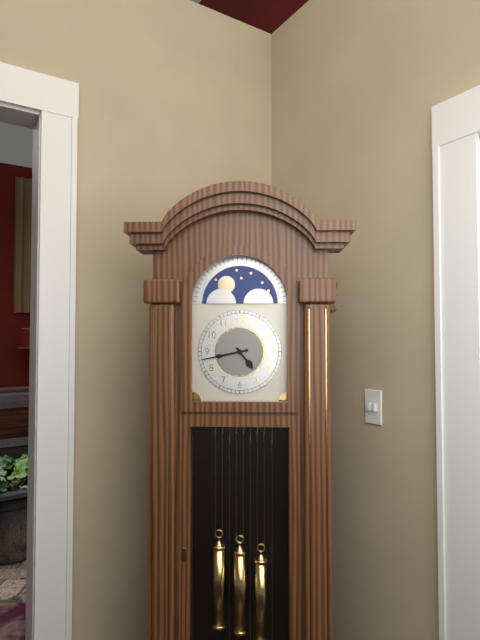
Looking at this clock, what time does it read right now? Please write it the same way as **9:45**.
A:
**4:43**
